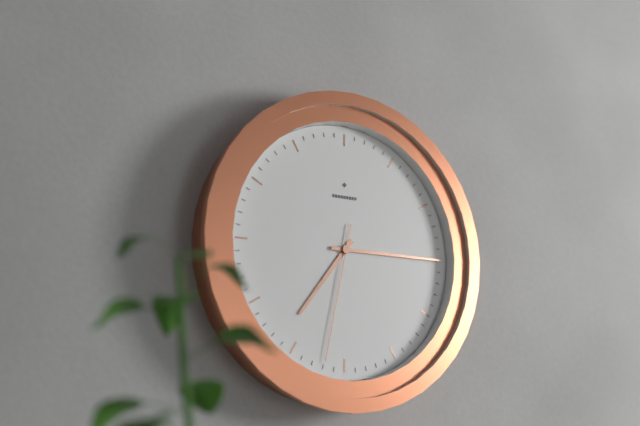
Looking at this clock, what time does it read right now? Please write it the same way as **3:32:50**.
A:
**7:15:32**
